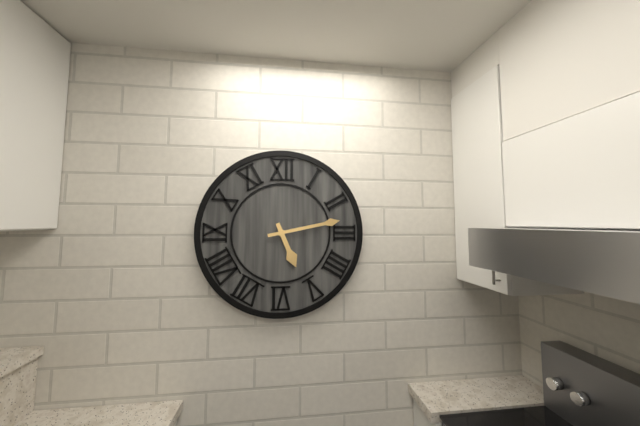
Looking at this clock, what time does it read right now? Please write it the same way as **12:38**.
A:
**5:13**
